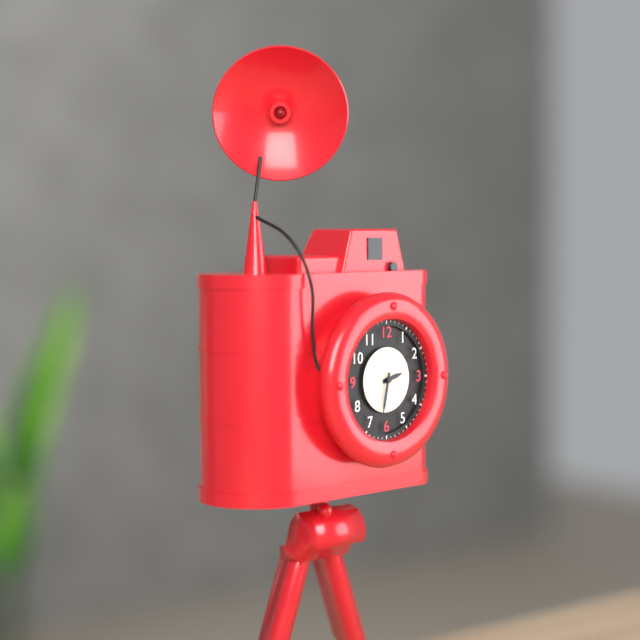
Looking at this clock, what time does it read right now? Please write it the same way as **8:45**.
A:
**2:32**
